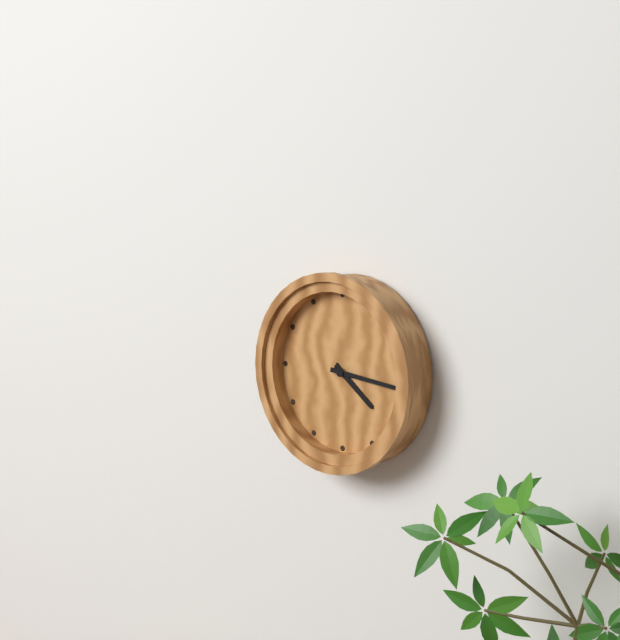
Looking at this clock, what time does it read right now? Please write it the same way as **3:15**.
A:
**4:16**
